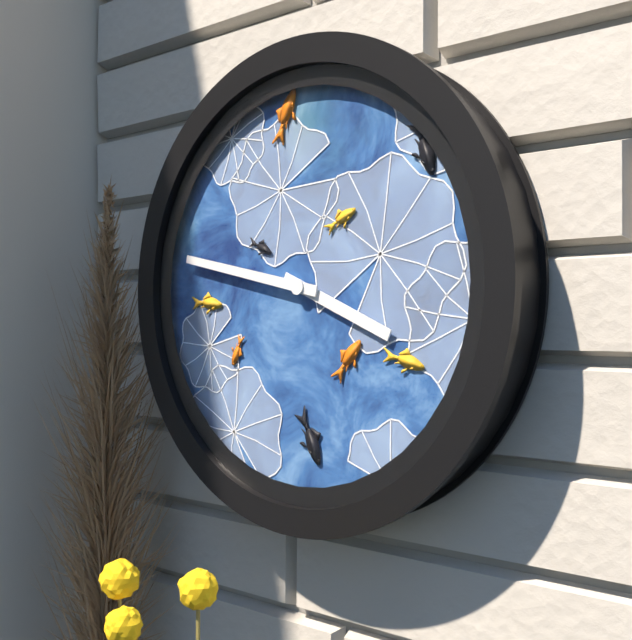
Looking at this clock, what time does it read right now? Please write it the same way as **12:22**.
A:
**3:47**
